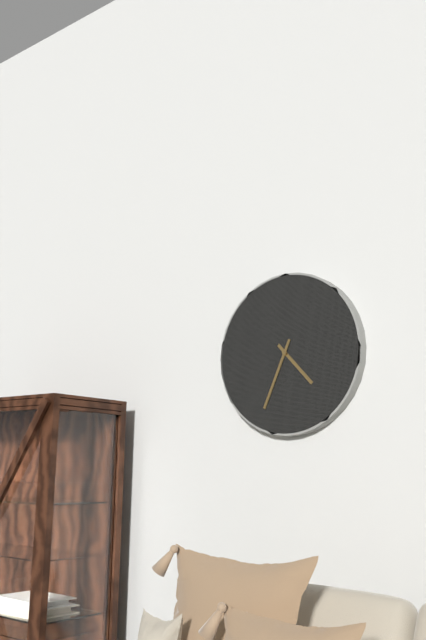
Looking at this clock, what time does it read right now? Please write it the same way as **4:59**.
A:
**4:34**
